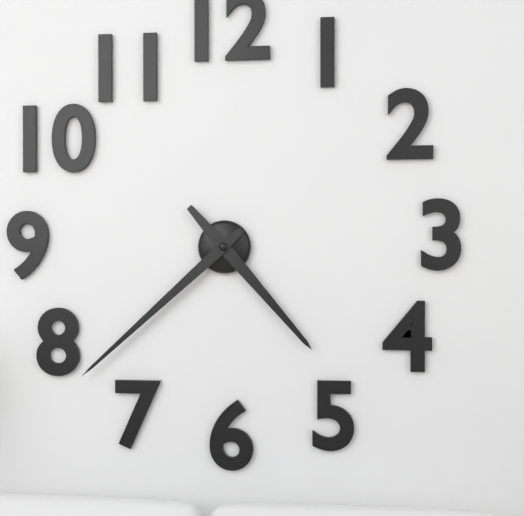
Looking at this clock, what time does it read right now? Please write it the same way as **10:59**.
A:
**4:38**
